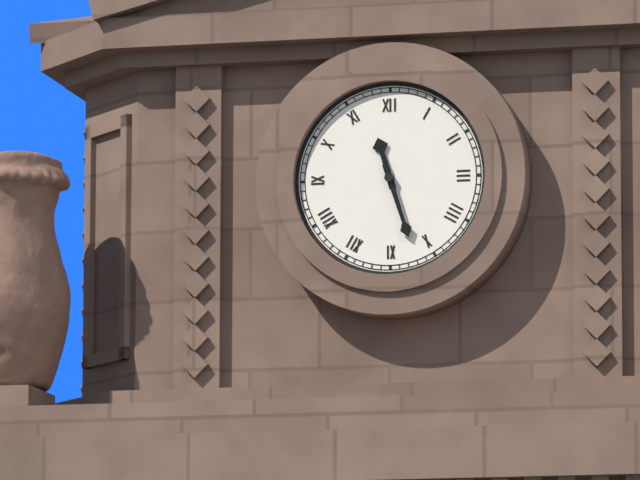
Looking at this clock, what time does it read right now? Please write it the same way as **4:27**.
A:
**11:27**
